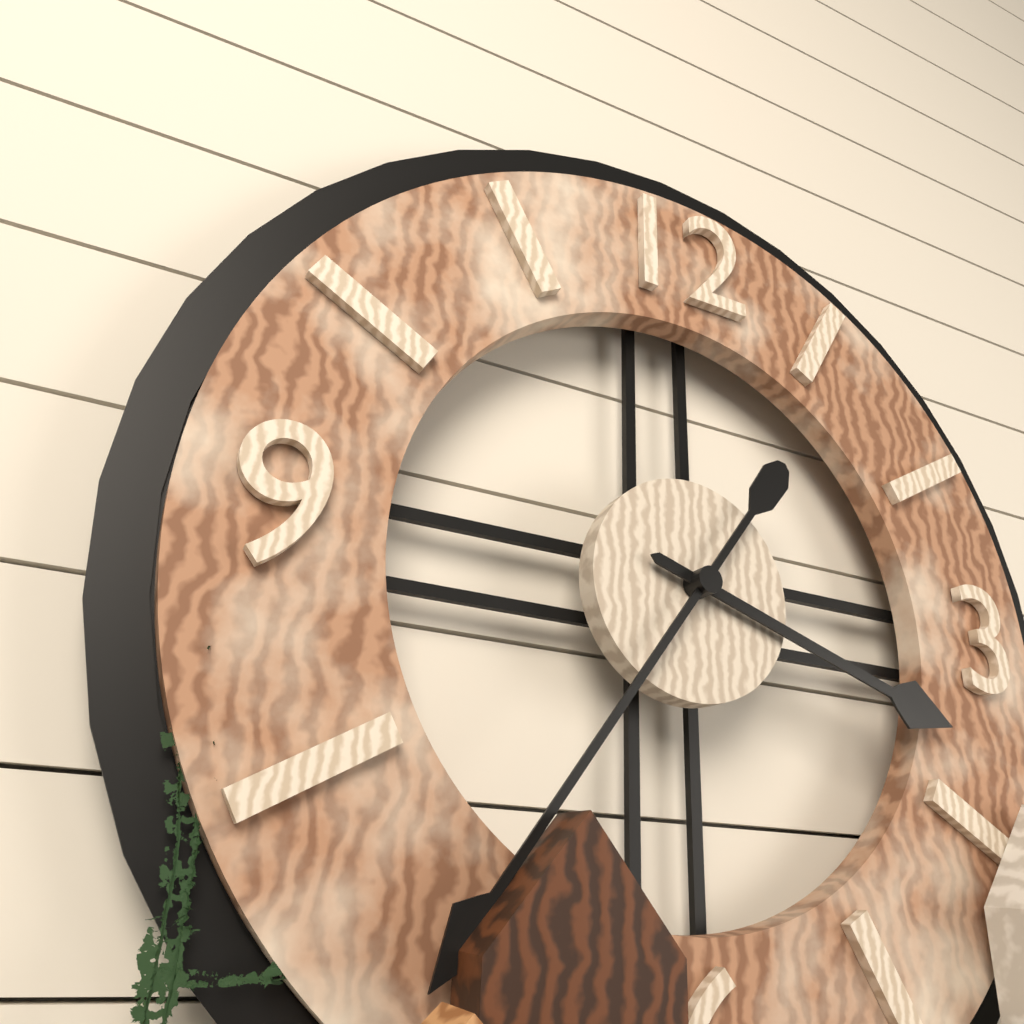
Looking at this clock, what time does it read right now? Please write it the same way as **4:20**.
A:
**3:36**
